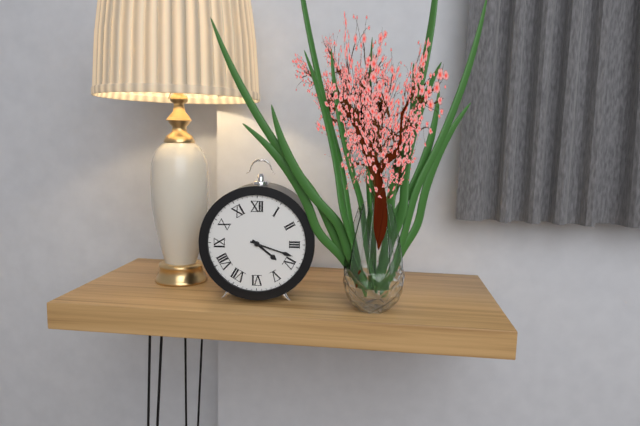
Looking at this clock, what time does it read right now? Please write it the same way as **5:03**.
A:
**4:18**
